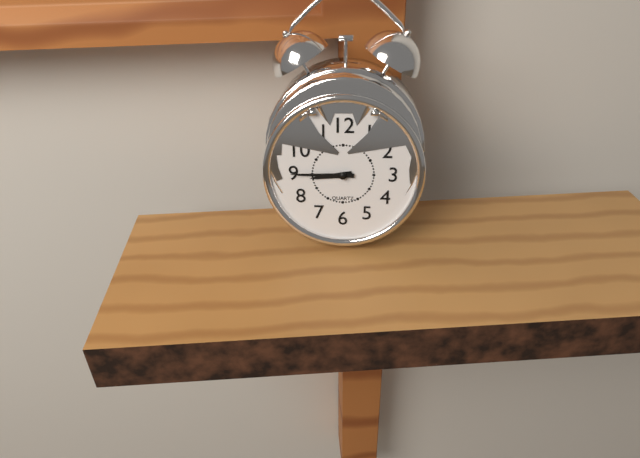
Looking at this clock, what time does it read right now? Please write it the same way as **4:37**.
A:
**8:45**
